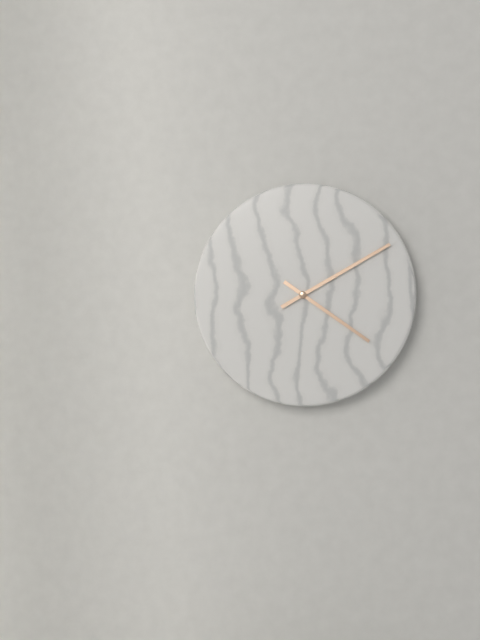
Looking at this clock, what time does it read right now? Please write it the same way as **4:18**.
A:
**4:10**
